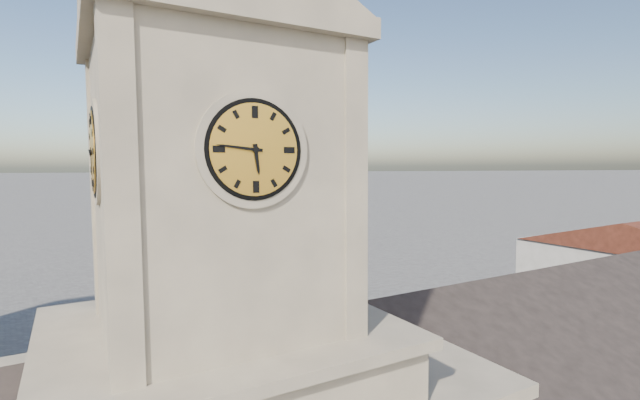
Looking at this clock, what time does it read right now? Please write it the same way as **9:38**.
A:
**5:46**
